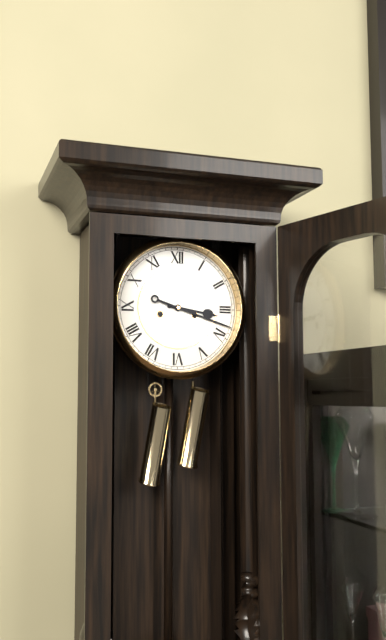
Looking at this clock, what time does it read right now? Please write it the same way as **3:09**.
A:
**3:18**
